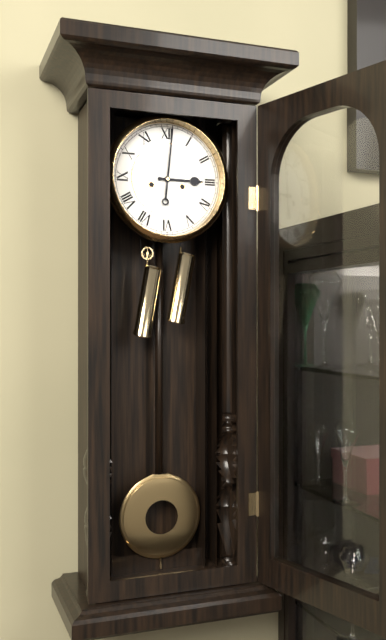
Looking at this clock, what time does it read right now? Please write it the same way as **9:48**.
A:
**3:01**
